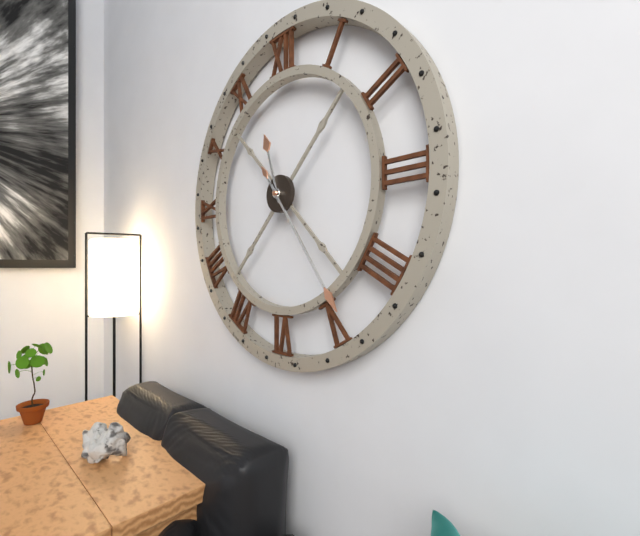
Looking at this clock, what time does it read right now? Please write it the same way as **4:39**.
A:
**11:24**
